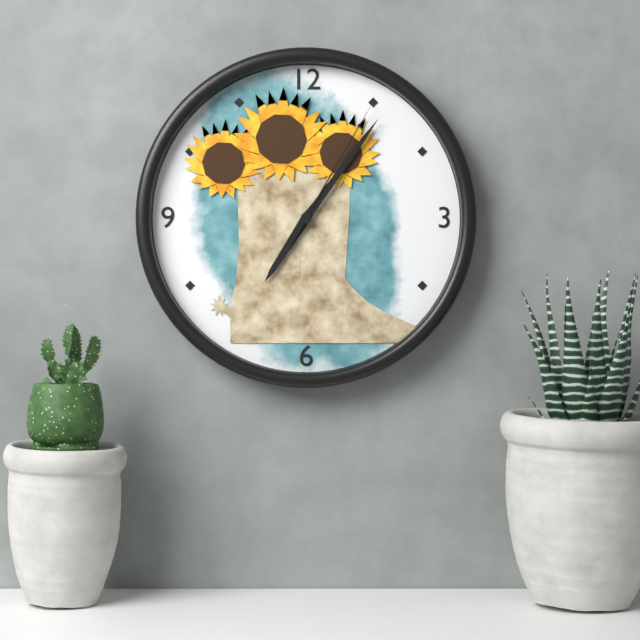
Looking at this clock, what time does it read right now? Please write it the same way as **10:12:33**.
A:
**7:06:05**
